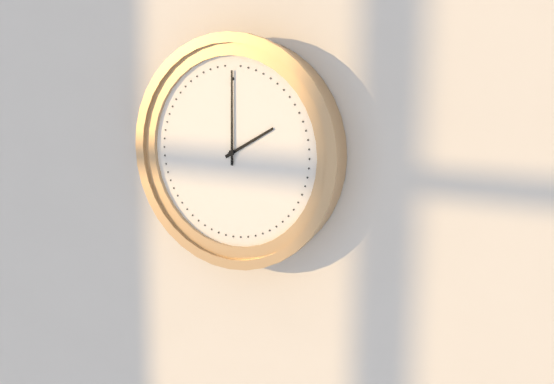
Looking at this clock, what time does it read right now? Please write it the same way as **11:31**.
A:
**2:00**
